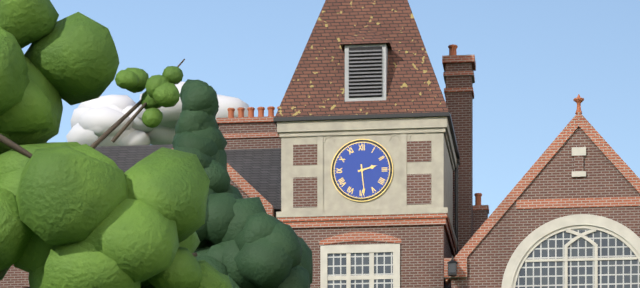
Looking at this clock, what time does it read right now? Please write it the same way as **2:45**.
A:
**2:29**
